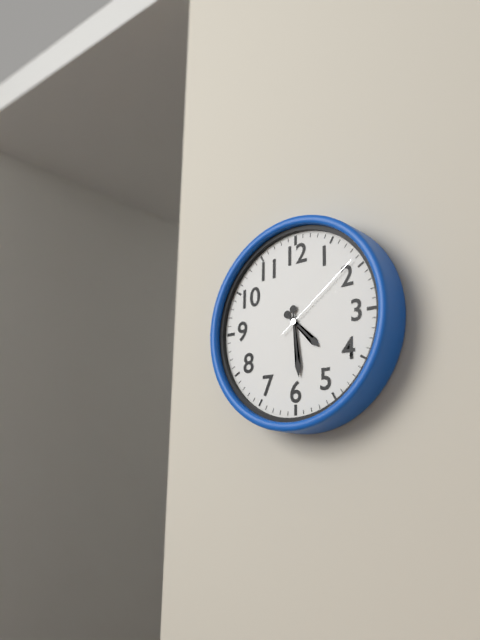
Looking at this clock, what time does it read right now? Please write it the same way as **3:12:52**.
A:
**4:29:09**
